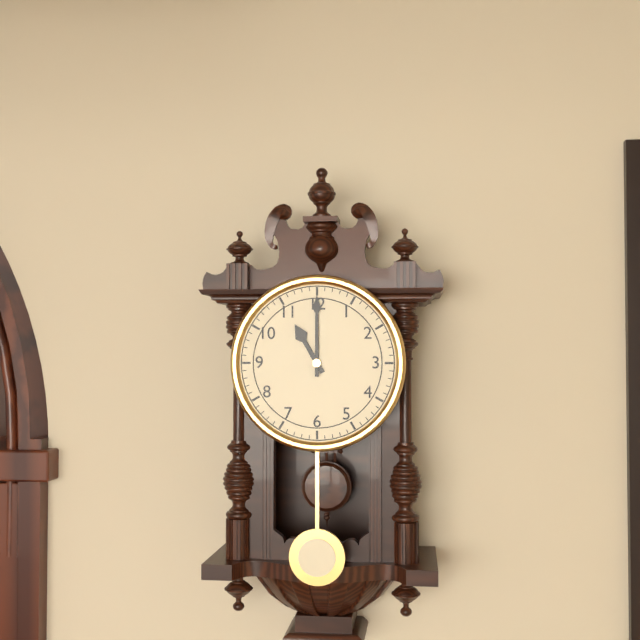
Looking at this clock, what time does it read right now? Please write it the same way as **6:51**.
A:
**11:00**
